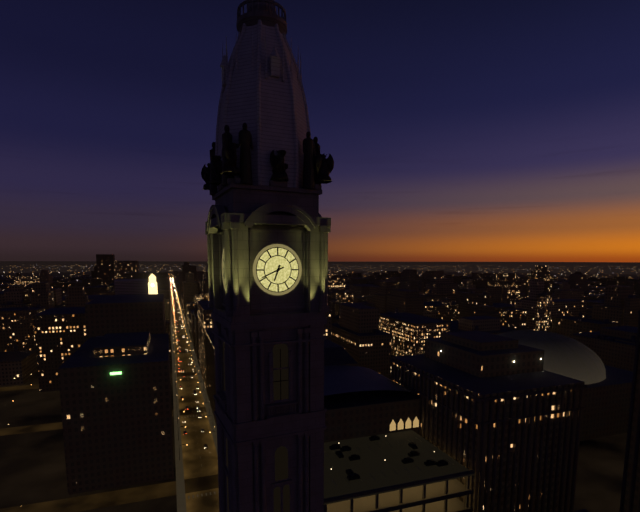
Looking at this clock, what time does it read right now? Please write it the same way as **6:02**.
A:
**6:41**
